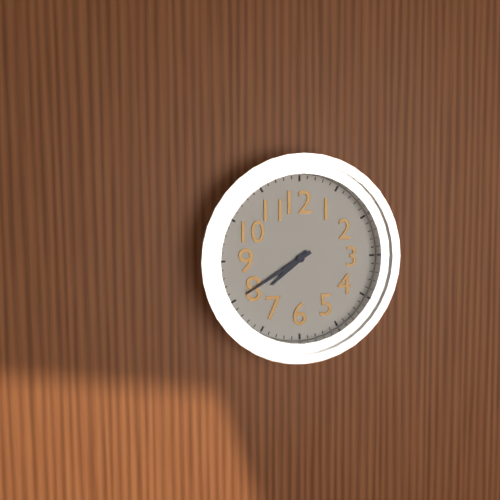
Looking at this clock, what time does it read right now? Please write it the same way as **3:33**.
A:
**7:40**
